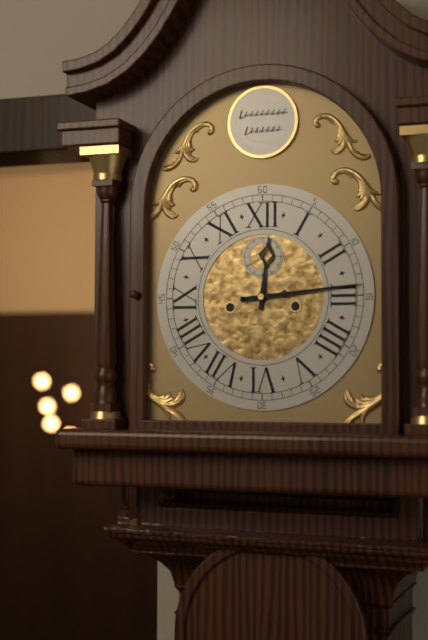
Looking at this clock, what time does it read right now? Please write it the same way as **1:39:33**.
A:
**12:14:40**
